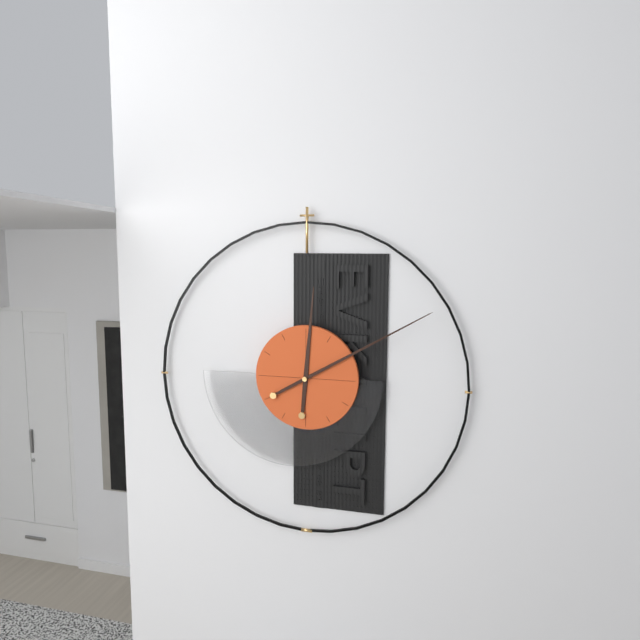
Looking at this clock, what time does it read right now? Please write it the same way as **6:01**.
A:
**12:10**
